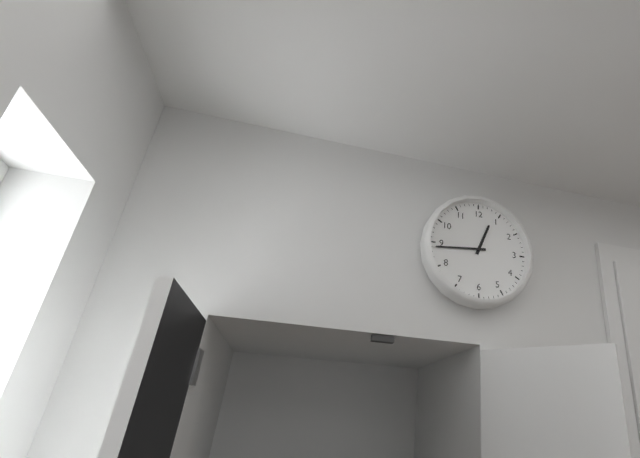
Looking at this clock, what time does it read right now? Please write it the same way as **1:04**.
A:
**12:44**
